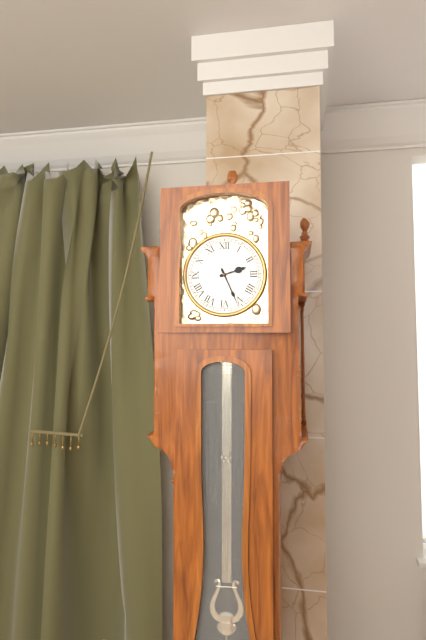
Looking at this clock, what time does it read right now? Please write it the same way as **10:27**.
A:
**2:26**
